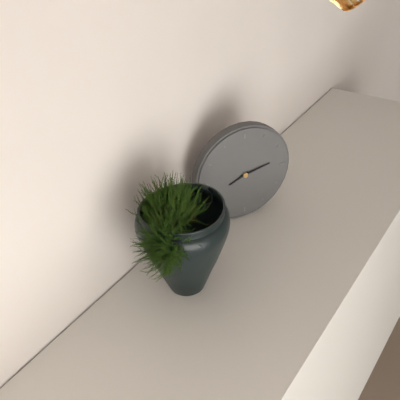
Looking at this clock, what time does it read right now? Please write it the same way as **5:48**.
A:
**8:13**
